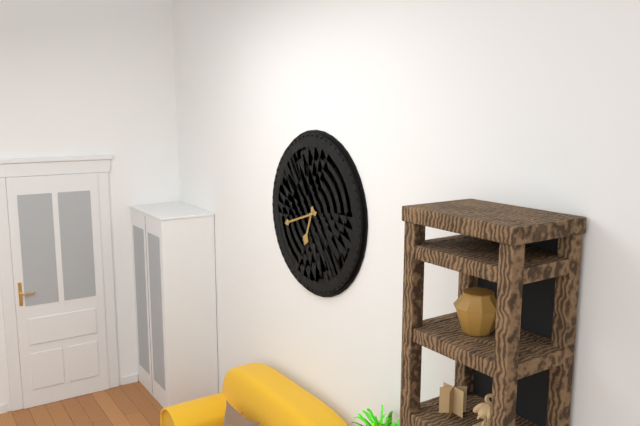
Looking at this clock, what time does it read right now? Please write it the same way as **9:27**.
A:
**6:42**
